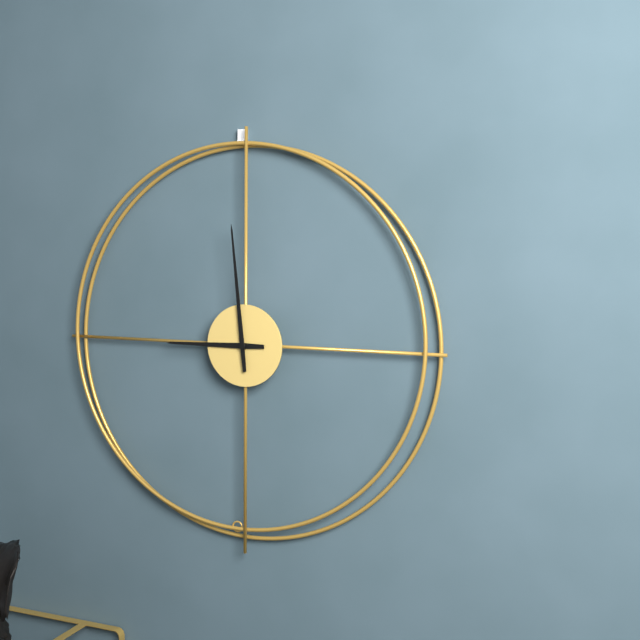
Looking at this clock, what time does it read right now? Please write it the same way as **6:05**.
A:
**8:59**
